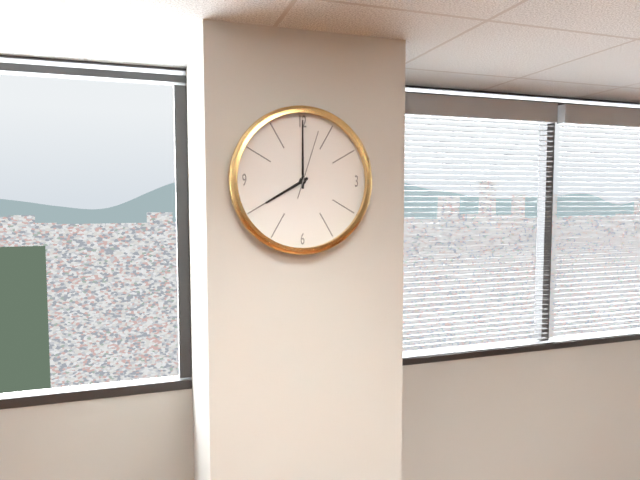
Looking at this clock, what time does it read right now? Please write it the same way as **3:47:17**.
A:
**8:00:03**
